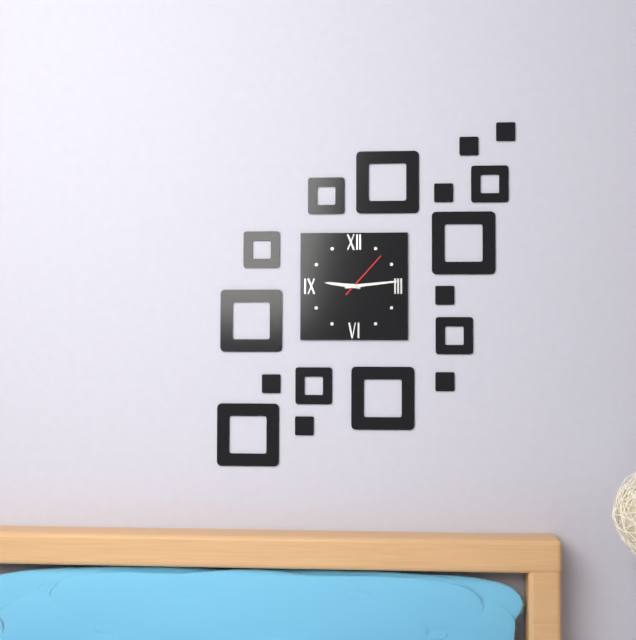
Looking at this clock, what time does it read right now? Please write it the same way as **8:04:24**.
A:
**9:14:07**
